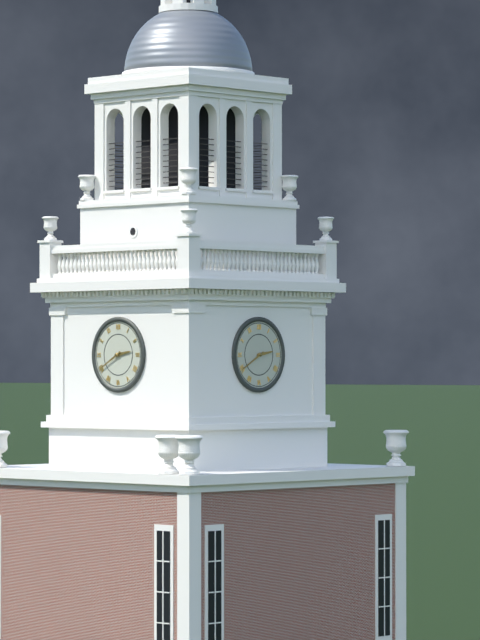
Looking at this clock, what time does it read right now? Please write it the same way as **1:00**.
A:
**2:40**
